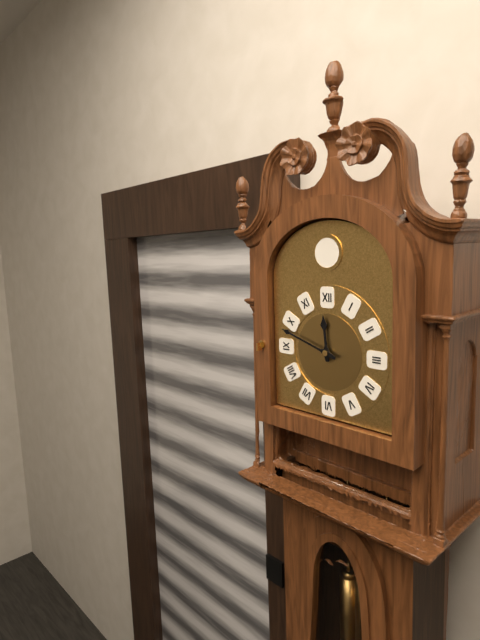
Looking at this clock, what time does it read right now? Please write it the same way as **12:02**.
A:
**11:48**
